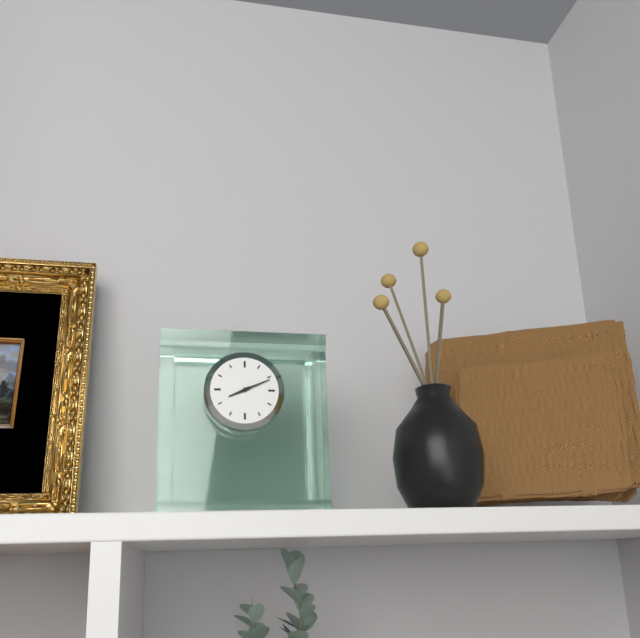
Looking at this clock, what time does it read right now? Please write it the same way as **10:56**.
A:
**8:11**
